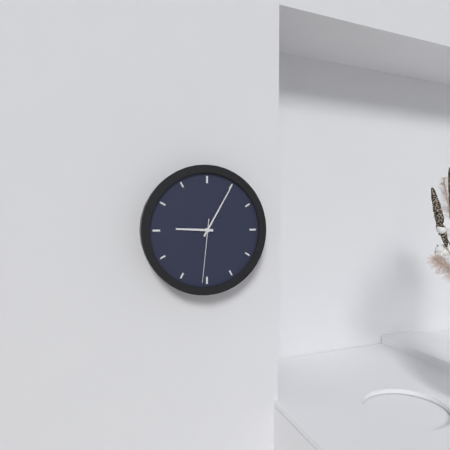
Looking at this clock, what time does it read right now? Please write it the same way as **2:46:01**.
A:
**9:05:31**
